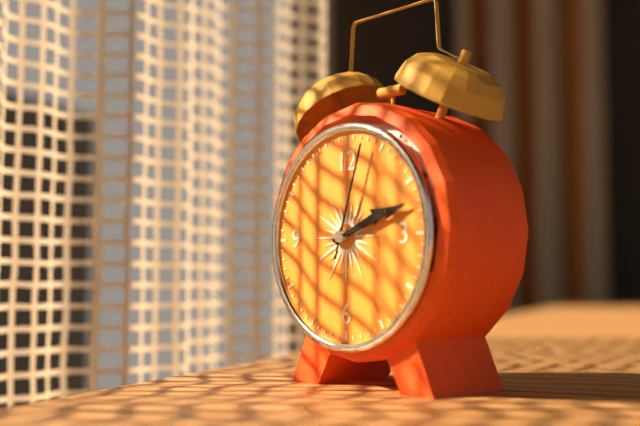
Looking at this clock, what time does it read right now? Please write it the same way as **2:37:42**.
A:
**2:12:03**
